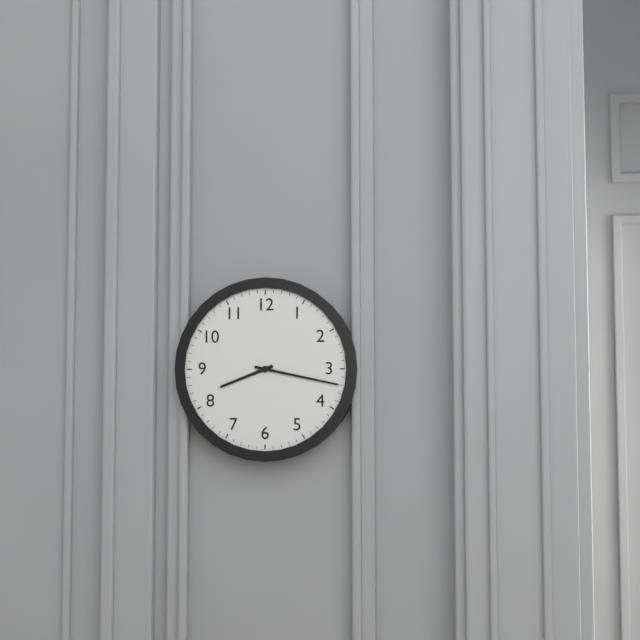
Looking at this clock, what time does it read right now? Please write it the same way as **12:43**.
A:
**8:17**
